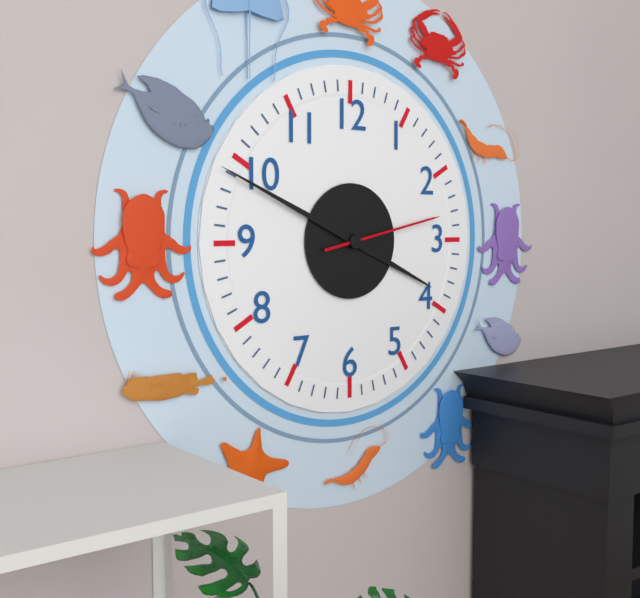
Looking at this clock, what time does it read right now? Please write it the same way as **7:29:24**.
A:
**3:49:13**
